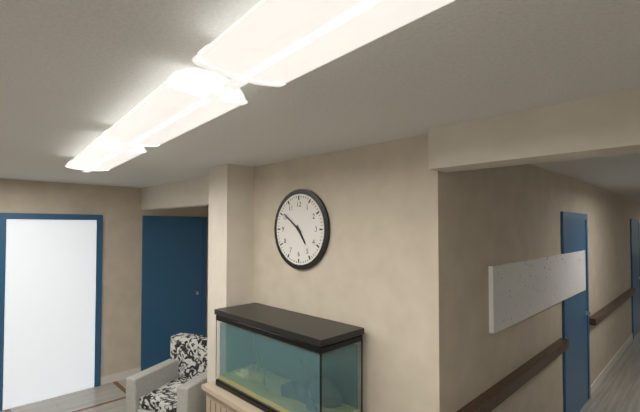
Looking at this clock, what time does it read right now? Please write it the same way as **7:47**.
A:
**4:51**
